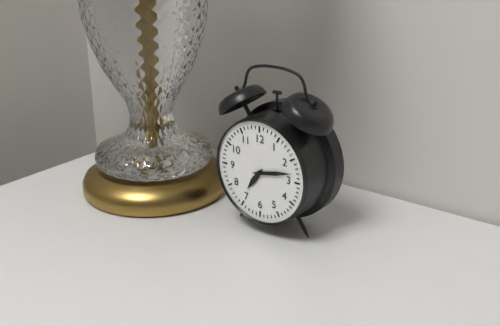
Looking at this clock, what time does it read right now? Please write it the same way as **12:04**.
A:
**7:13**
